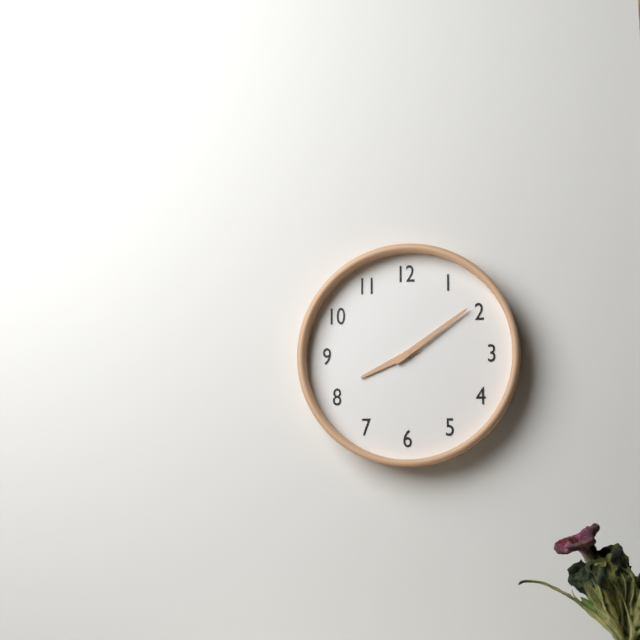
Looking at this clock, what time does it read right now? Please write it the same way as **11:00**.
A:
**8:09**
